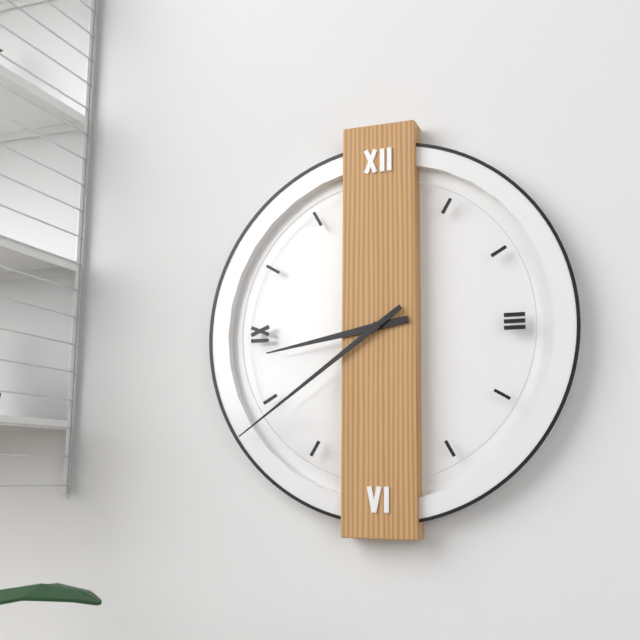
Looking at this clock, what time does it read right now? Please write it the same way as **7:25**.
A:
**8:39**
